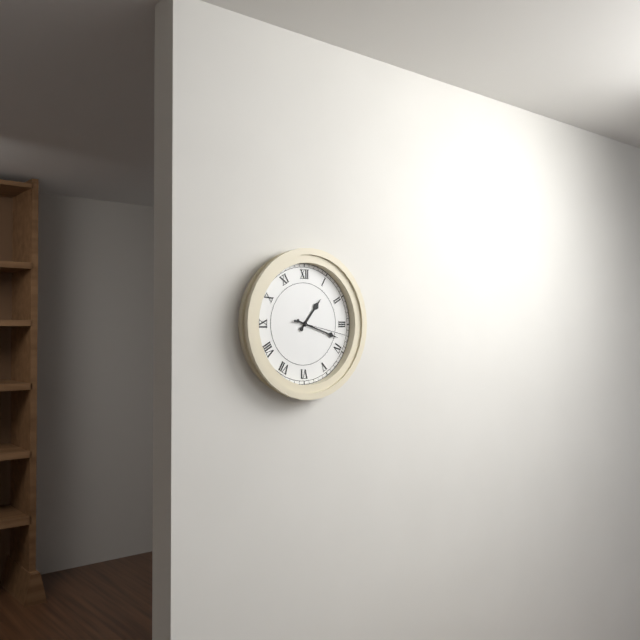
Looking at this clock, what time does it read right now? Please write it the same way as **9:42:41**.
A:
**1:18:17**
